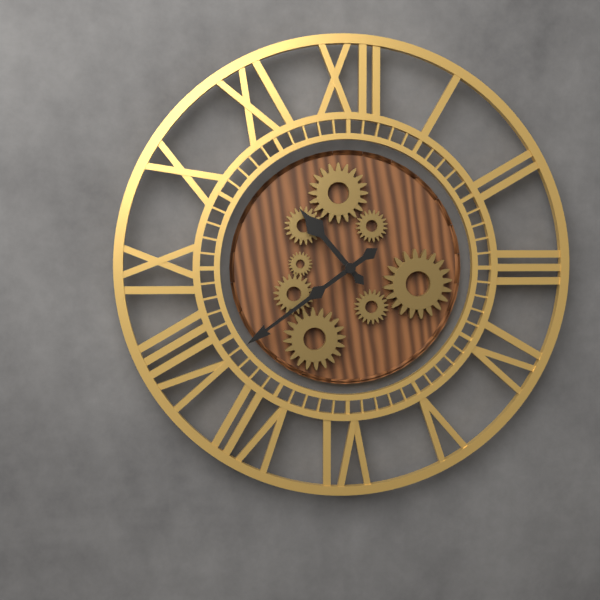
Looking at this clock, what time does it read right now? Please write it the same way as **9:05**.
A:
**10:39**
